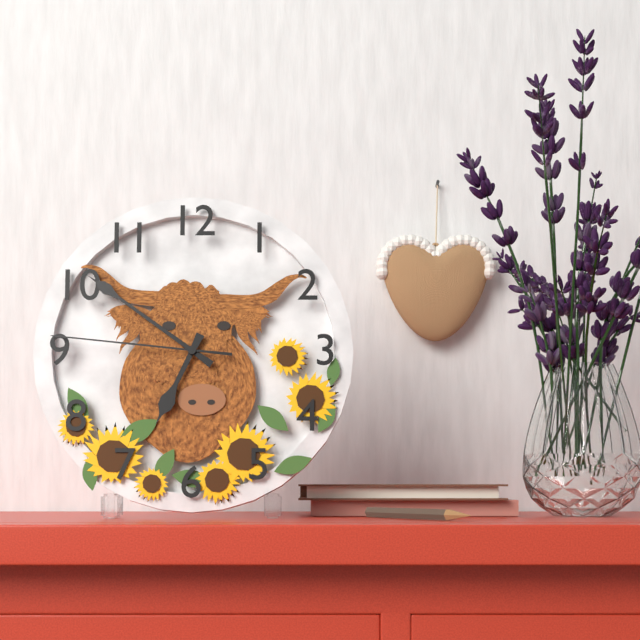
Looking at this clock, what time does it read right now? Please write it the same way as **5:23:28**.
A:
**6:51:46**
